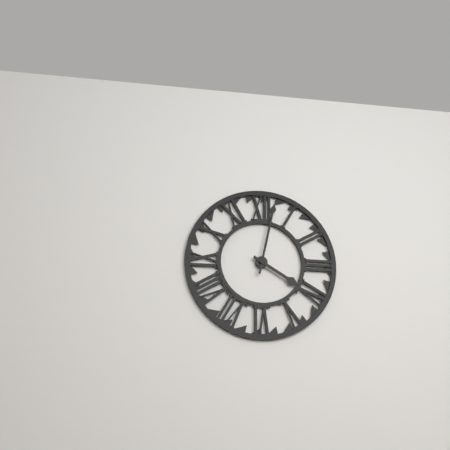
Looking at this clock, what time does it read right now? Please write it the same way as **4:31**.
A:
**4:02**
